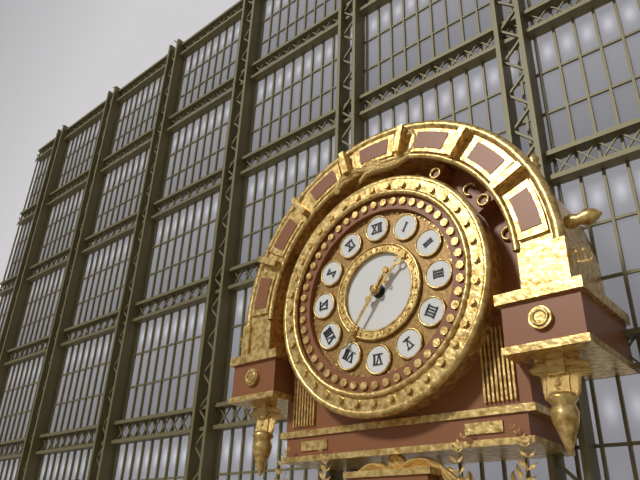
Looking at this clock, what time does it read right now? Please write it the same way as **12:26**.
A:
**1:36**
